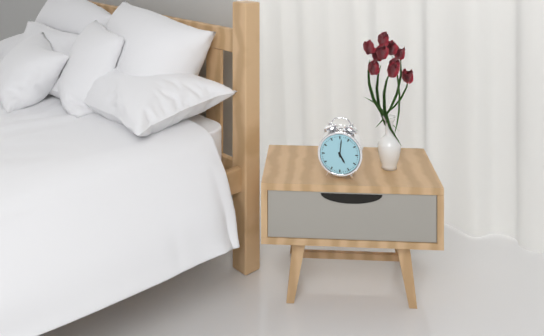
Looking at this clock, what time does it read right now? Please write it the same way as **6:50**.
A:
**5:01**
